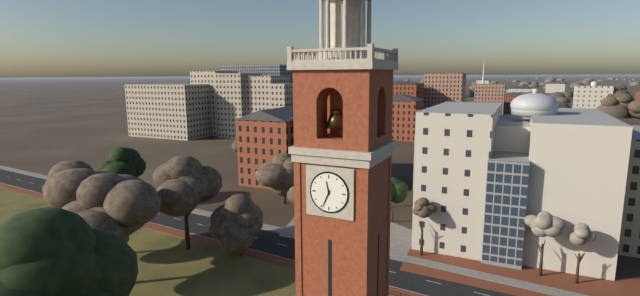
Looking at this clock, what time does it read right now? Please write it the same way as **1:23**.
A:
**11:34**
